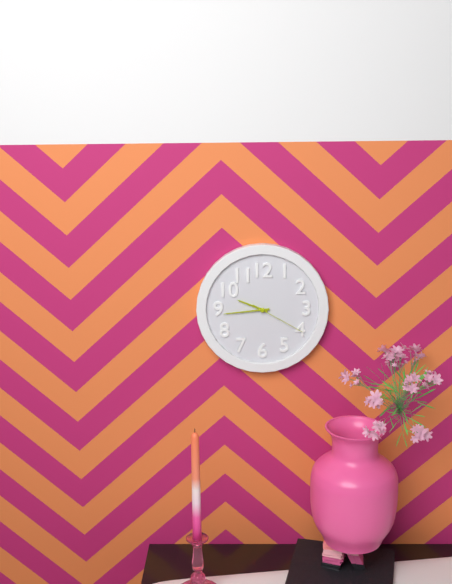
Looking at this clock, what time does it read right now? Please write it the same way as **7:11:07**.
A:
**9:44:20**
